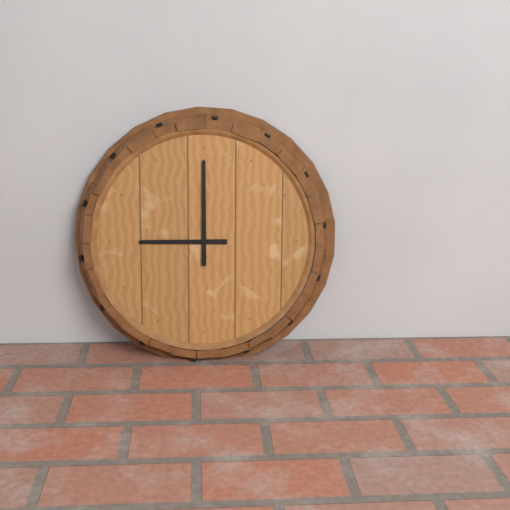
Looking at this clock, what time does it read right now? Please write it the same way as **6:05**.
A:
**9:00**
